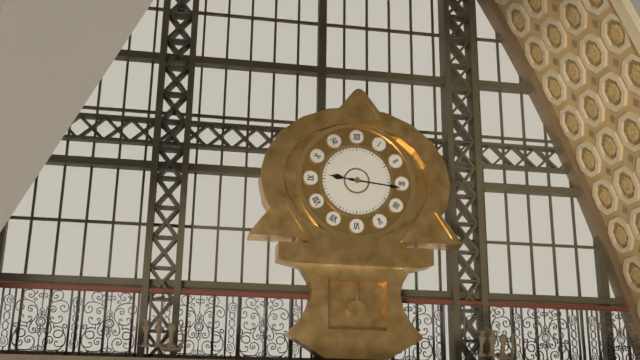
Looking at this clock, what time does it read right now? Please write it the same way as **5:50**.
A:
**9:16**
